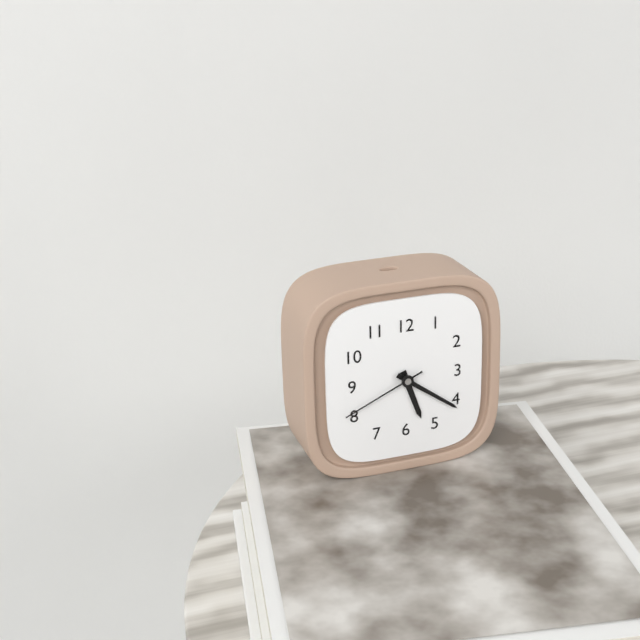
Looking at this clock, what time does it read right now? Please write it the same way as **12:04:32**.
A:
**5:21:41**
